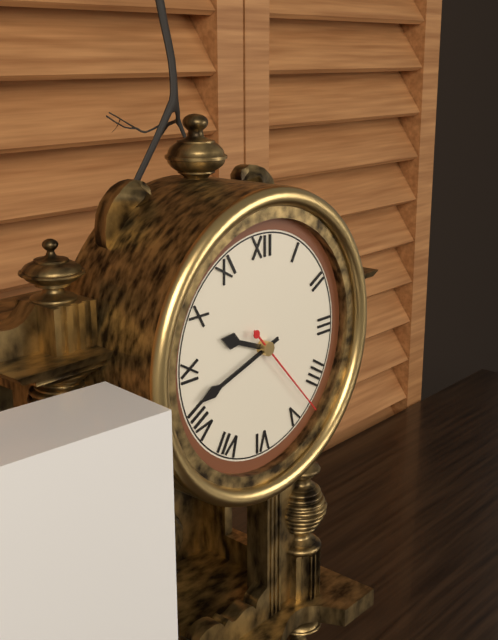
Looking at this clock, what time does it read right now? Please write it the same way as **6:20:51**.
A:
**9:42:23**
